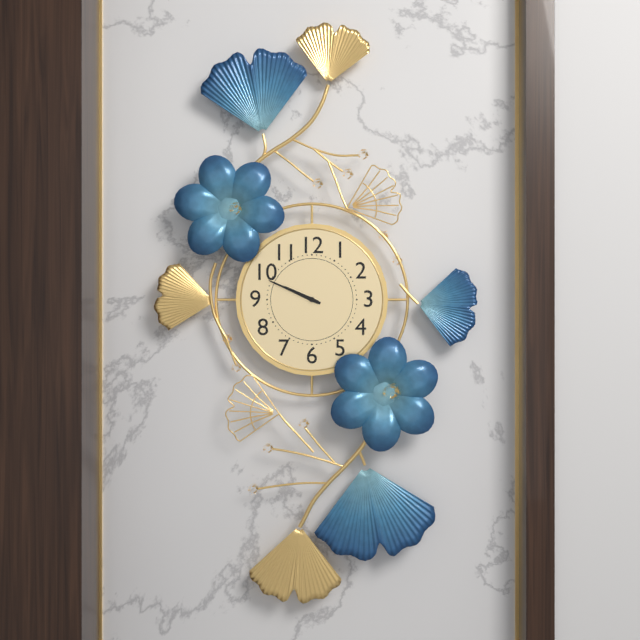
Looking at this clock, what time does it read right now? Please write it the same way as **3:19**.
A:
**9:49**
